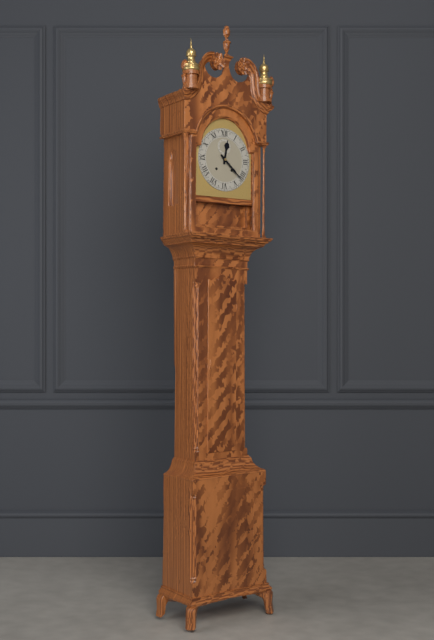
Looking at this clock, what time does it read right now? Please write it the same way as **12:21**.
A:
**12:22**
